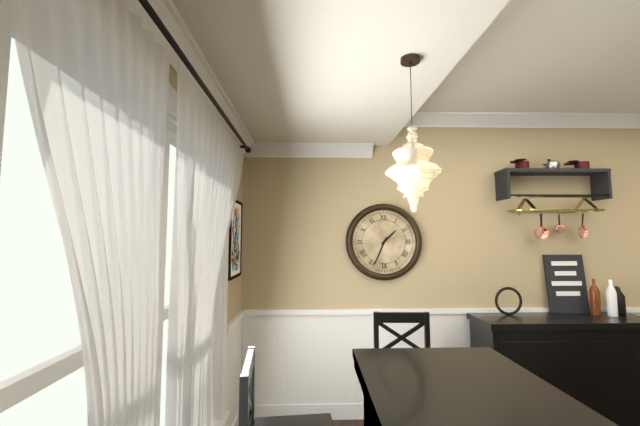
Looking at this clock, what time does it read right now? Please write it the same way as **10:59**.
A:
**1:34**
